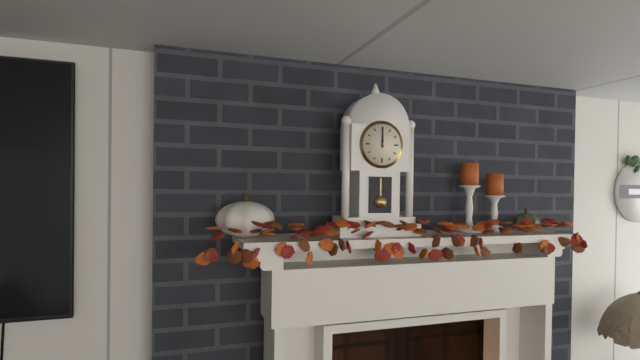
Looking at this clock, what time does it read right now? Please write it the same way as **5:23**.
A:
**12:00**
